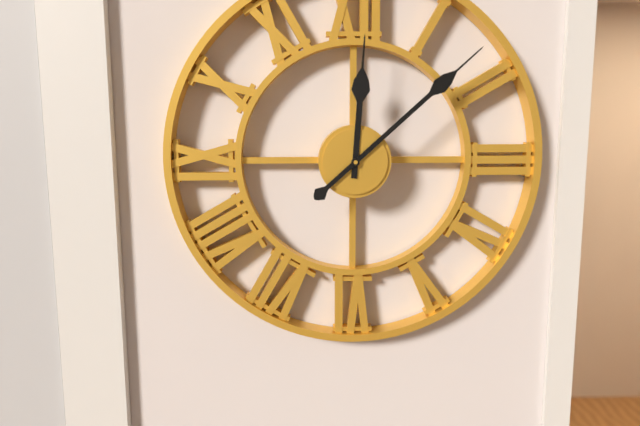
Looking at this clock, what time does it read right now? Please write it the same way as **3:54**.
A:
**12:08**
